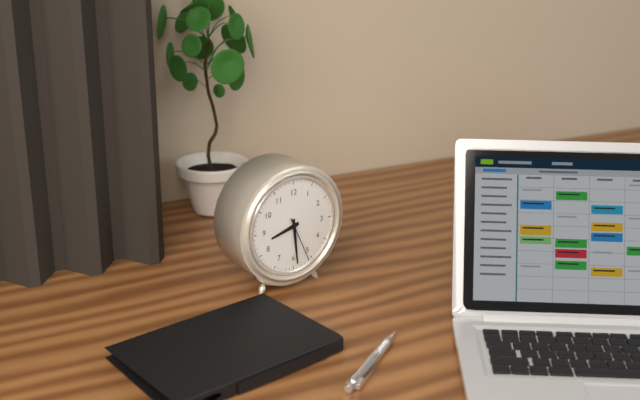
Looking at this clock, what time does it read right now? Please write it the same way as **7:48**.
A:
**8:29**
